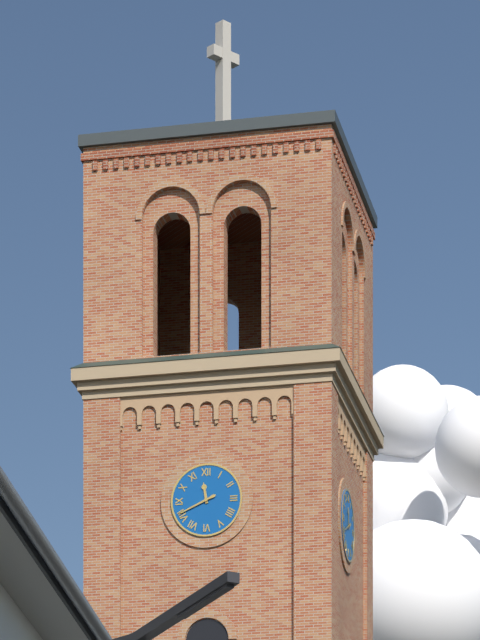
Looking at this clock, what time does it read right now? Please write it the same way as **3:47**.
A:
**11:41**
